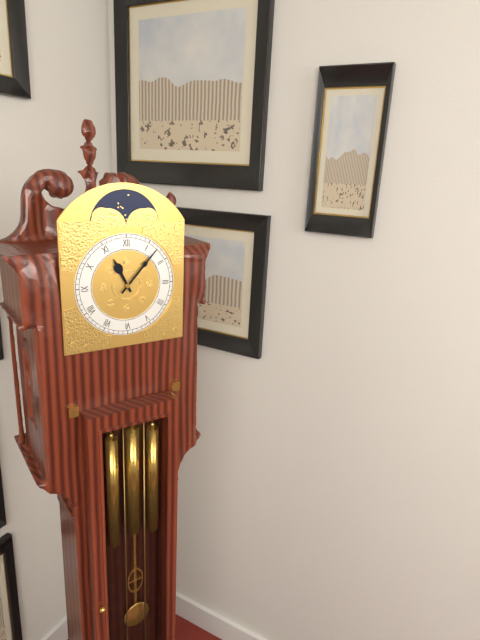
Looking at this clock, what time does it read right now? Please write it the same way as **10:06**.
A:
**11:07**
